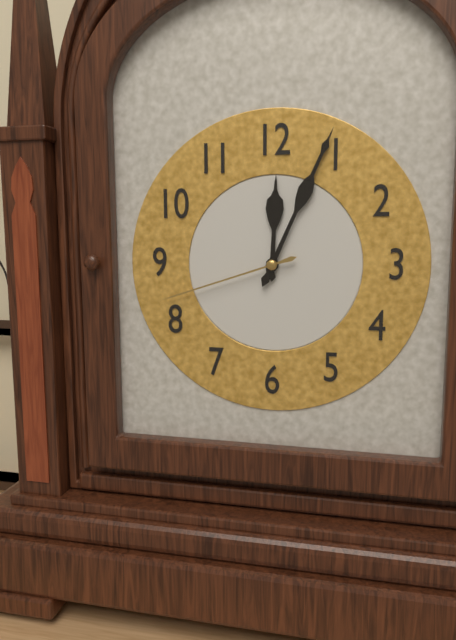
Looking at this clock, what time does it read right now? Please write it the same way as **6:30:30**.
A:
**12:04:42**
